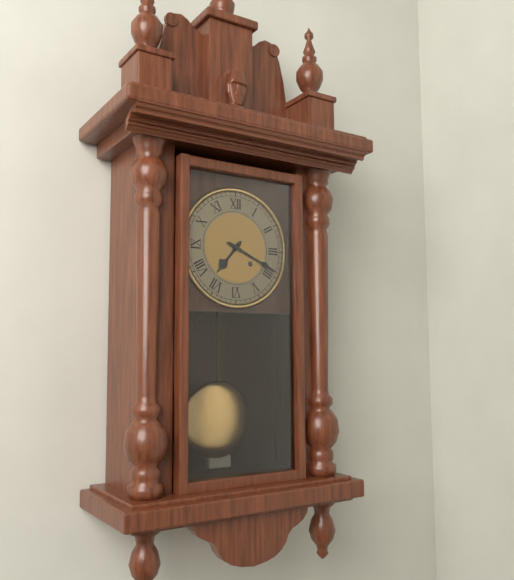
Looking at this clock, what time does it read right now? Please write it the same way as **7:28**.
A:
**7:19**
